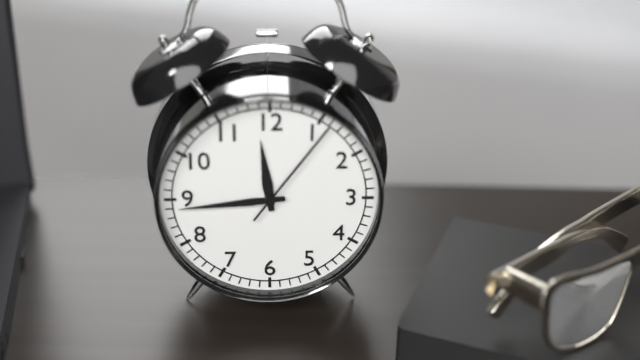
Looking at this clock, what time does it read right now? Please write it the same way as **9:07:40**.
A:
**11:44:06**
